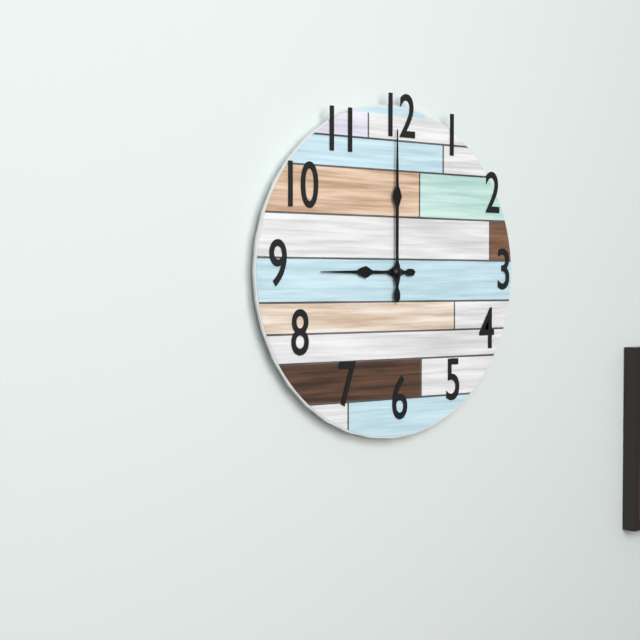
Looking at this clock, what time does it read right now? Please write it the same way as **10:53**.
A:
**9:00**
